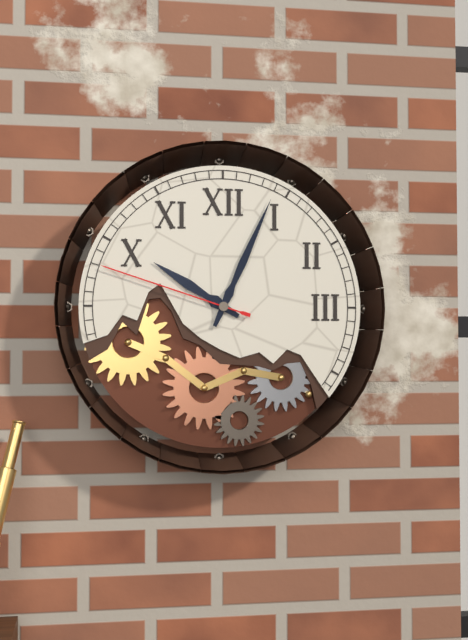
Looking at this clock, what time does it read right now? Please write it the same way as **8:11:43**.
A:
**10:04:48**
